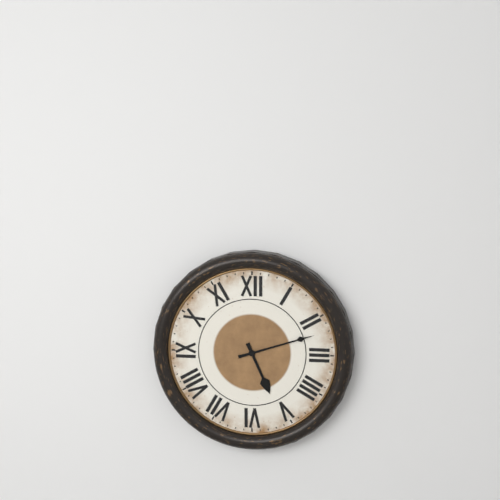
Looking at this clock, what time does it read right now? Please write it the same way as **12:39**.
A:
**5:12**
